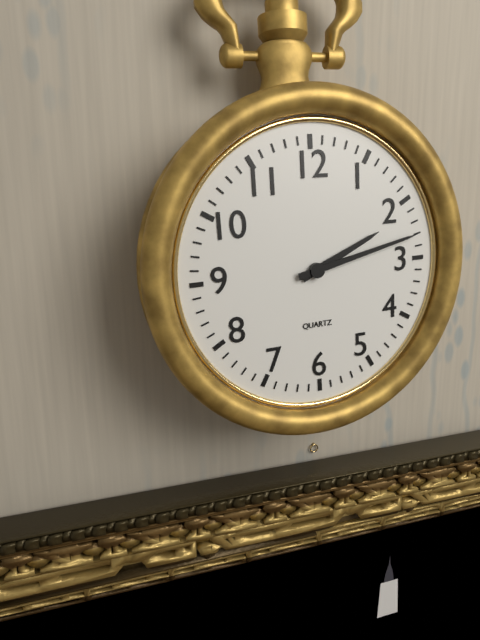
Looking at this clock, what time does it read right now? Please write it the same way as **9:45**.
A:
**2:13**
